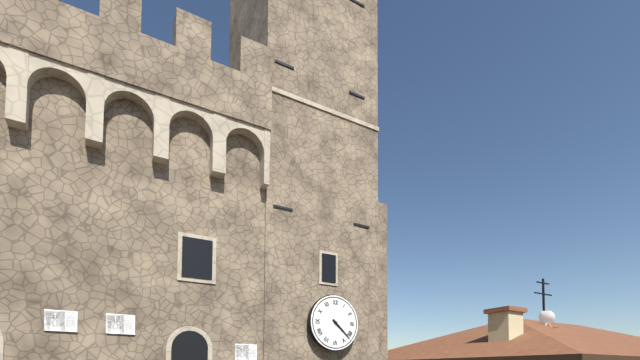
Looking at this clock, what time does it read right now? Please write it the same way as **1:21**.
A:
**4:22**
